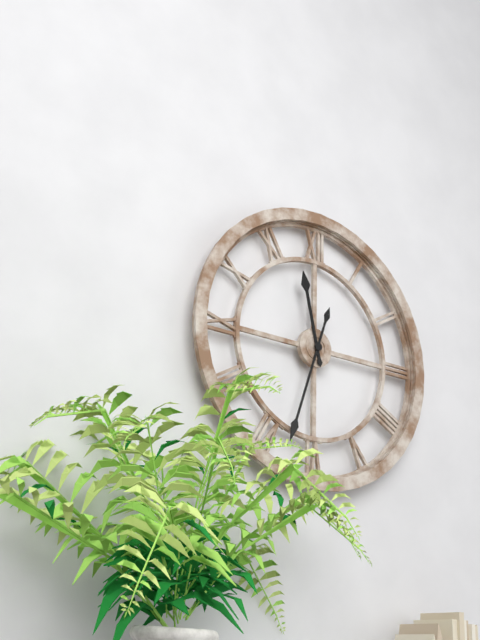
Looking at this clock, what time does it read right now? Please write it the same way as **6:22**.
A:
**11:33**
